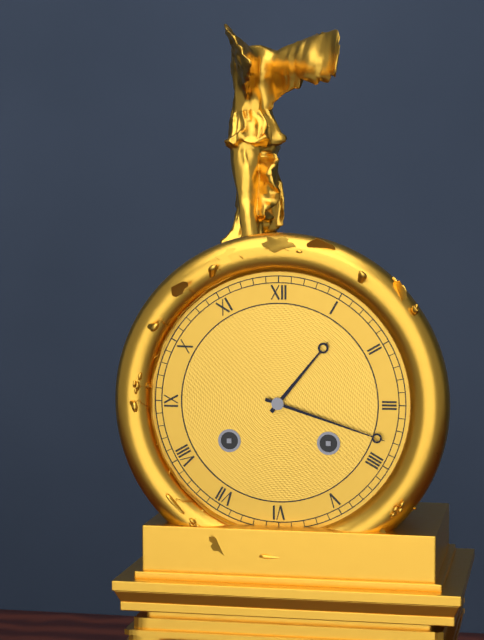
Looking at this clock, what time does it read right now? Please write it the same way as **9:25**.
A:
**1:18**
